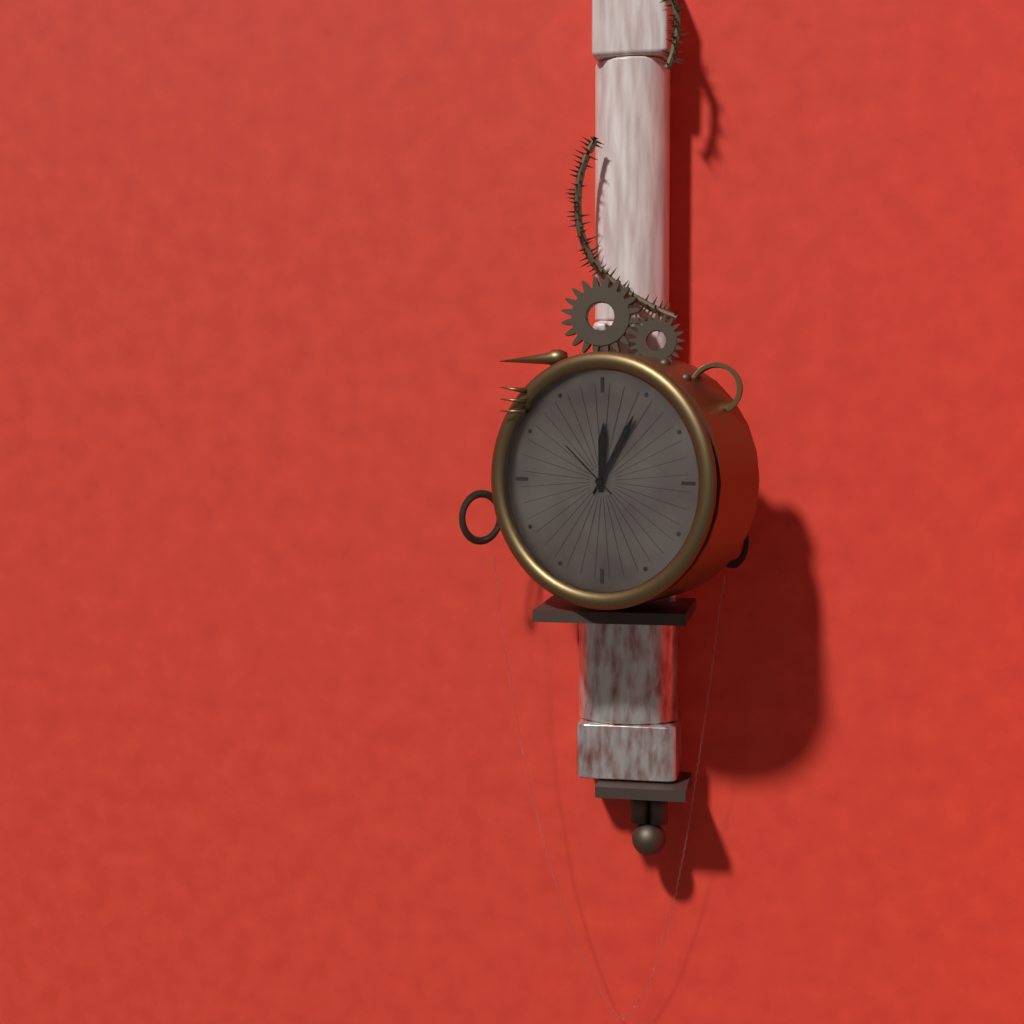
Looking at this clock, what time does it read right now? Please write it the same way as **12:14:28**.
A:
**12:05:52**
